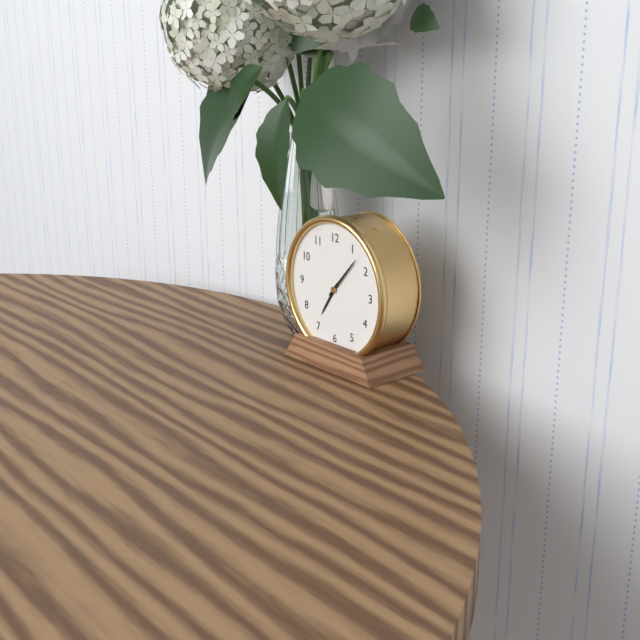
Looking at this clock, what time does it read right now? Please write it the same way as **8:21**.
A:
**7:07**
